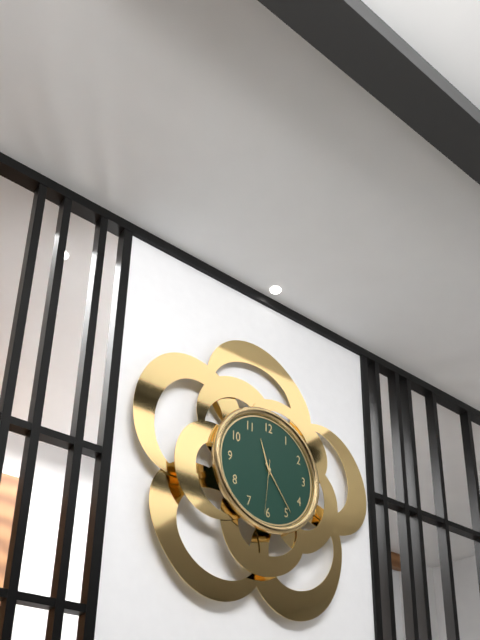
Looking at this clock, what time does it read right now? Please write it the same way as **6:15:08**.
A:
**11:24:31**
